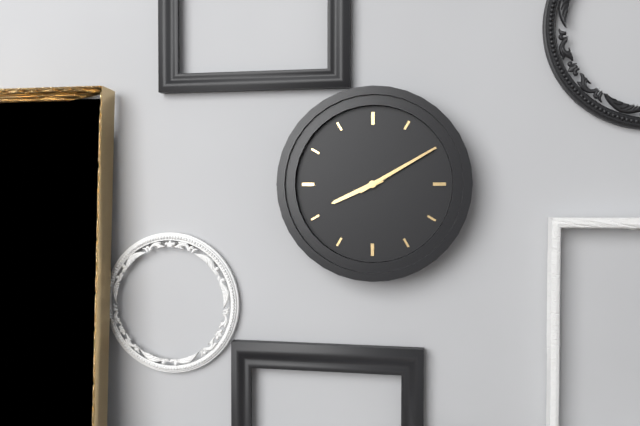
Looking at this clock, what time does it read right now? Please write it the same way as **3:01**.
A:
**8:10**
